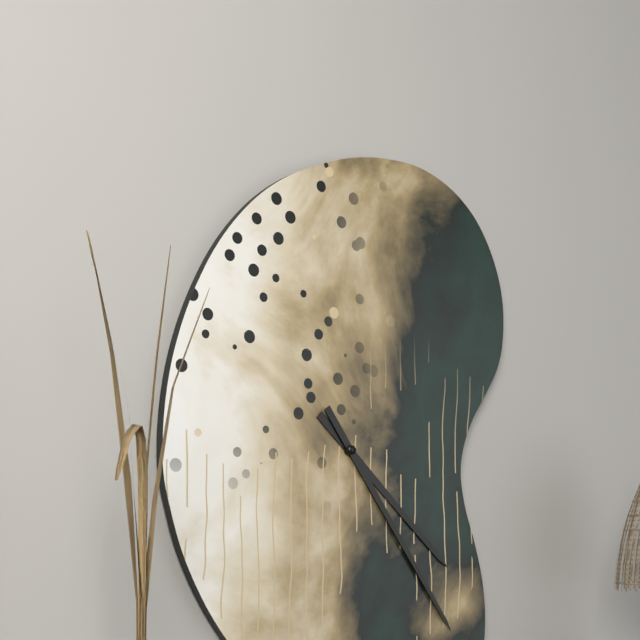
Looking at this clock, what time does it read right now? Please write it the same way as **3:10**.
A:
**4:24**
